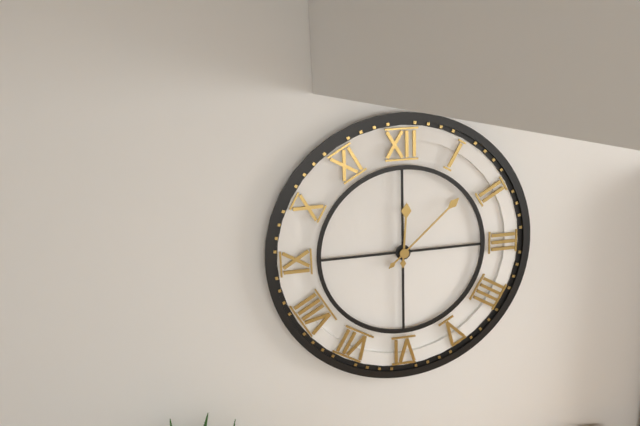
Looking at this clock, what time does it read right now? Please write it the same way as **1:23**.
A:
**12:08**
